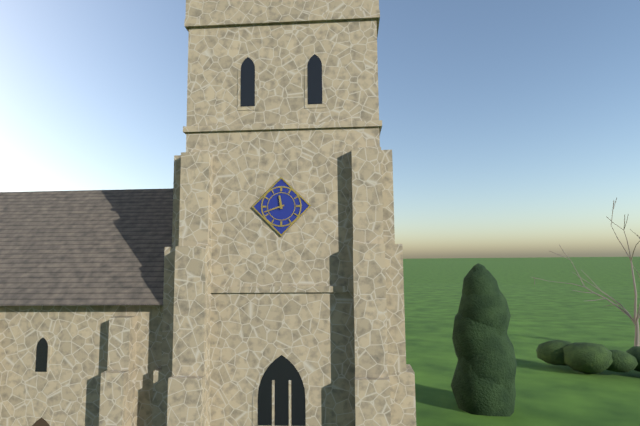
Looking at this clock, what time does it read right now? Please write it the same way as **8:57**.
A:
**11:42**
